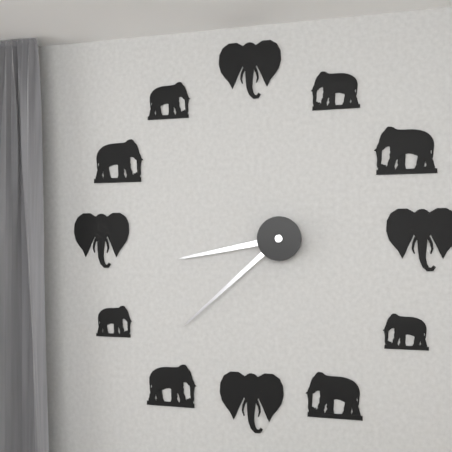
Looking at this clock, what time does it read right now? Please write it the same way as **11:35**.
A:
**8:38**
